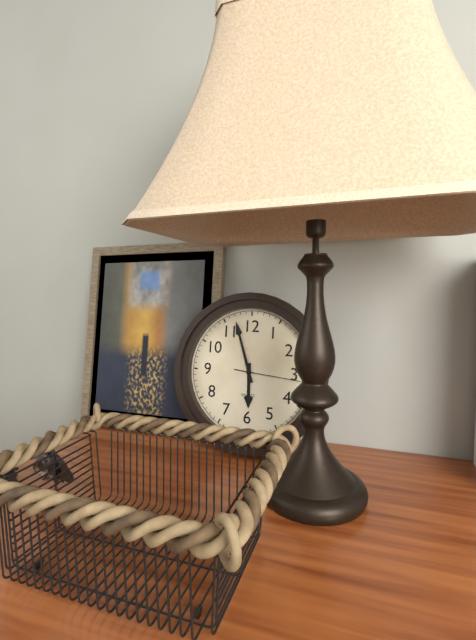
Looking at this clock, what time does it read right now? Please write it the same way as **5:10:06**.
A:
**5:57:16**
